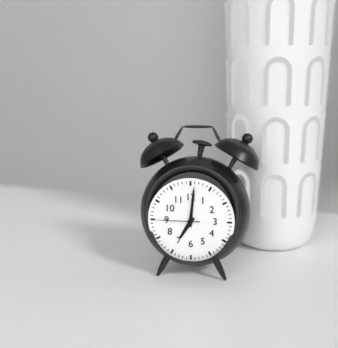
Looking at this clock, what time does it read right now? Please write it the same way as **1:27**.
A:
**7:01**
